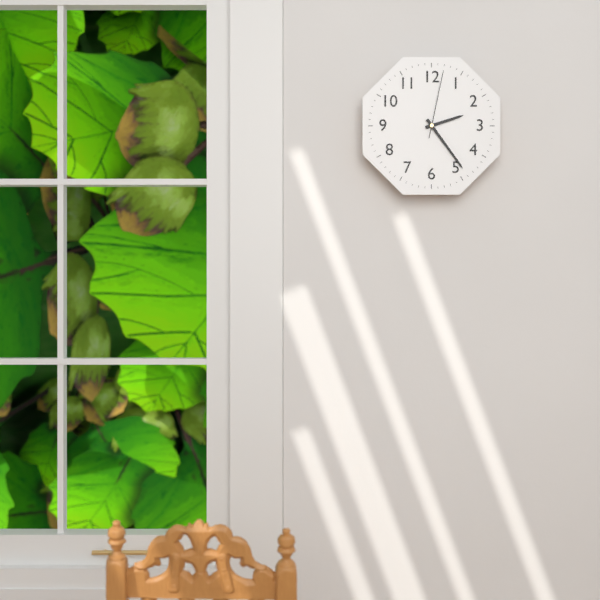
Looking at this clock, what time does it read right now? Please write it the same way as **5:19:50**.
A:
**2:24:02**
